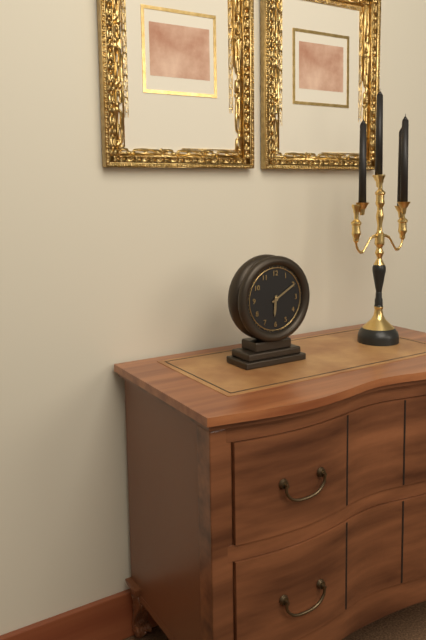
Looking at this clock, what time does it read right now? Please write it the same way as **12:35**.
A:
**6:10**
